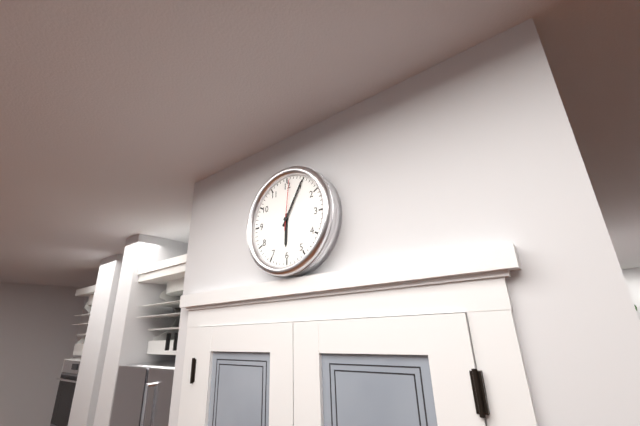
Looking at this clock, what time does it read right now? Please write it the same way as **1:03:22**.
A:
**6:05:01**
